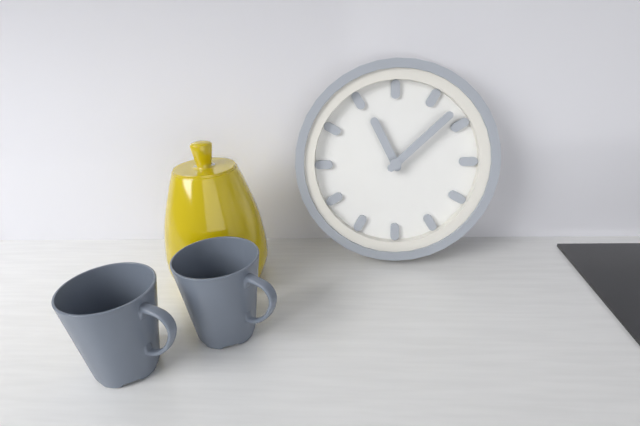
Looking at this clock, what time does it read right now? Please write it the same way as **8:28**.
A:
**11:08**
